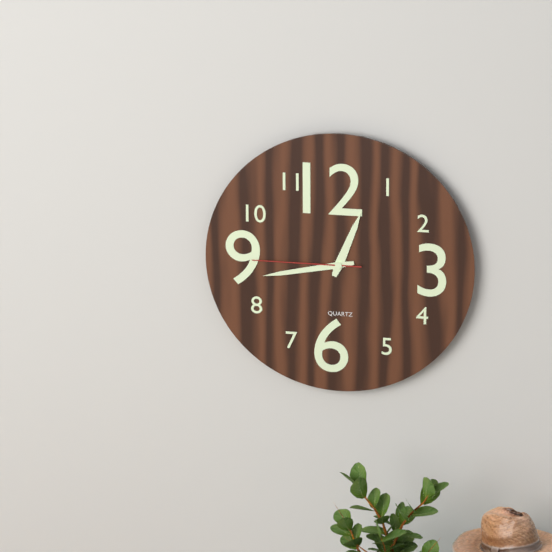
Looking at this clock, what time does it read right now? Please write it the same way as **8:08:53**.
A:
**12:43:45**
